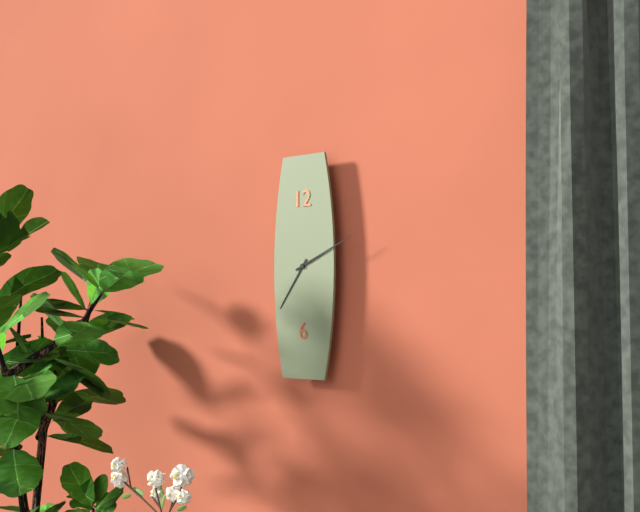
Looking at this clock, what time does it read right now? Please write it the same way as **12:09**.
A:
**7:11**
